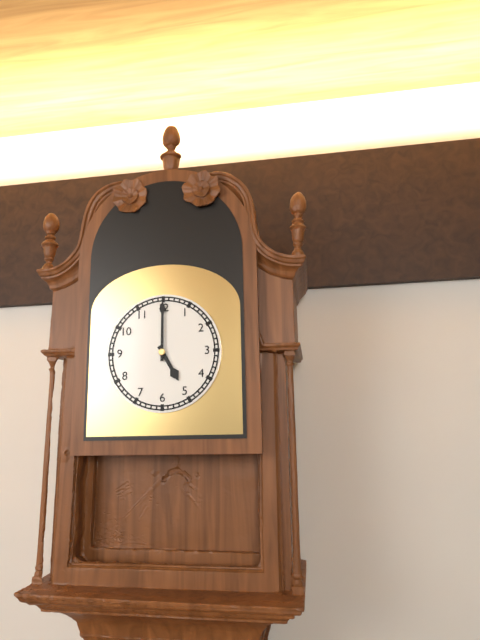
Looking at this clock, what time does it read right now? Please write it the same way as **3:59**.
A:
**5:00**
